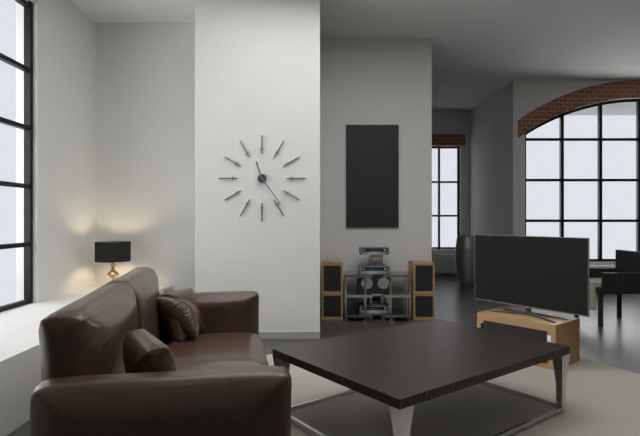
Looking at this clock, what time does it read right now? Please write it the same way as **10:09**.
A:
**11:24**
